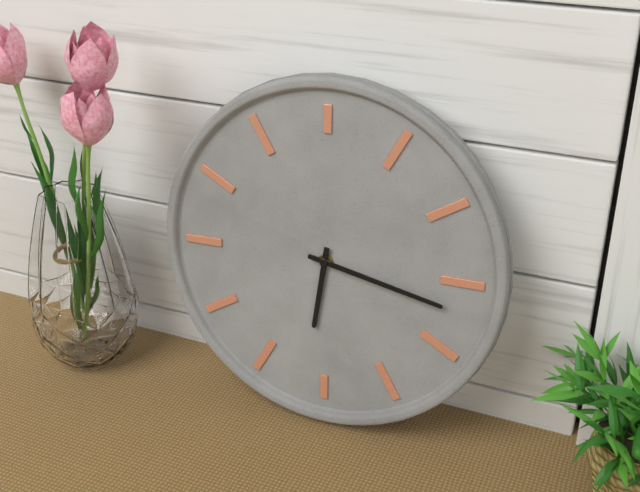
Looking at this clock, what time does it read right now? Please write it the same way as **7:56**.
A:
**6:17**
